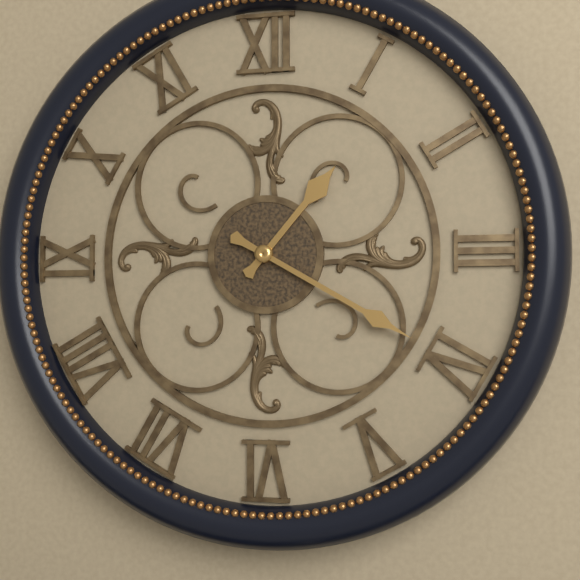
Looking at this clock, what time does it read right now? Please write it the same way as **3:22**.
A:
**1:20**
